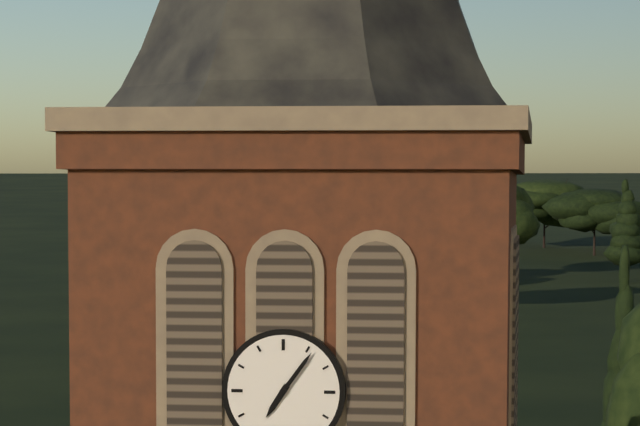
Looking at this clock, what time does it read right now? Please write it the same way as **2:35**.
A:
**7:06**
